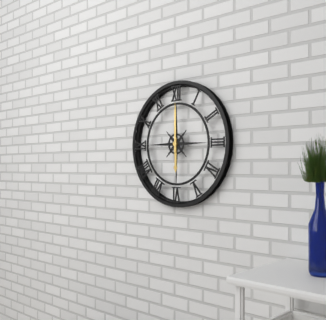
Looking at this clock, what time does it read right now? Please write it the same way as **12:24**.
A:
**6:00**
